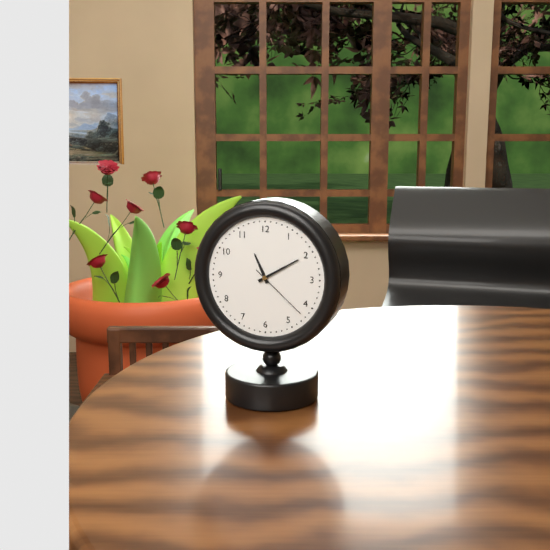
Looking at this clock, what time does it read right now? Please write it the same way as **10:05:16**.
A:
**11:10:22**
